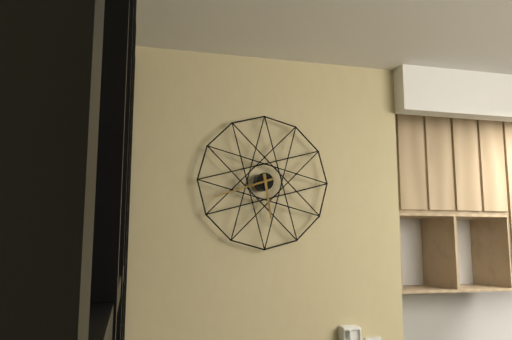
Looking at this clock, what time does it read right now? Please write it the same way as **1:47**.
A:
**5:42**
